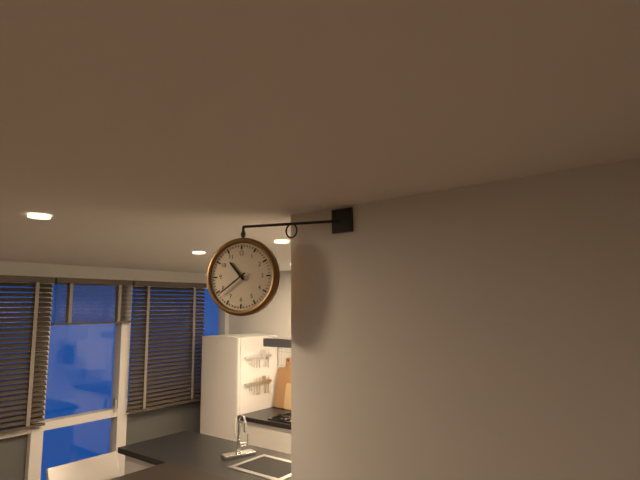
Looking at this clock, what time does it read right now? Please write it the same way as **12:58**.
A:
**10:39**
